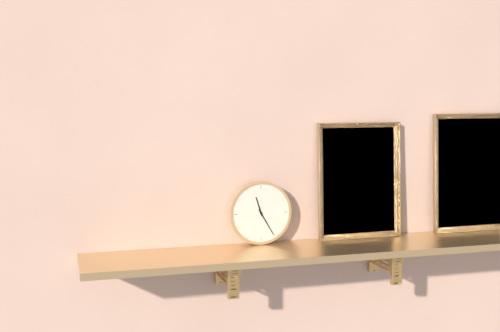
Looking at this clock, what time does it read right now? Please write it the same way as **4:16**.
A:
**11:25**
